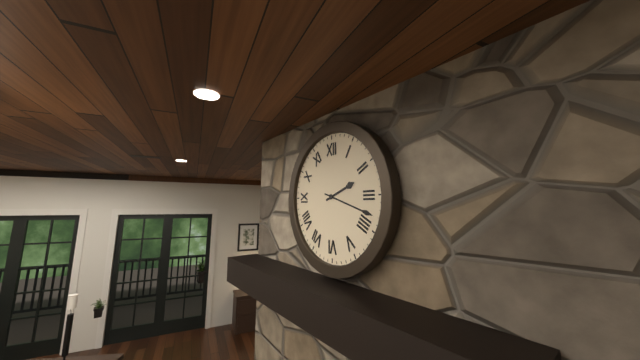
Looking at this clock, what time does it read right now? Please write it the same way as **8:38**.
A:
**2:18**
